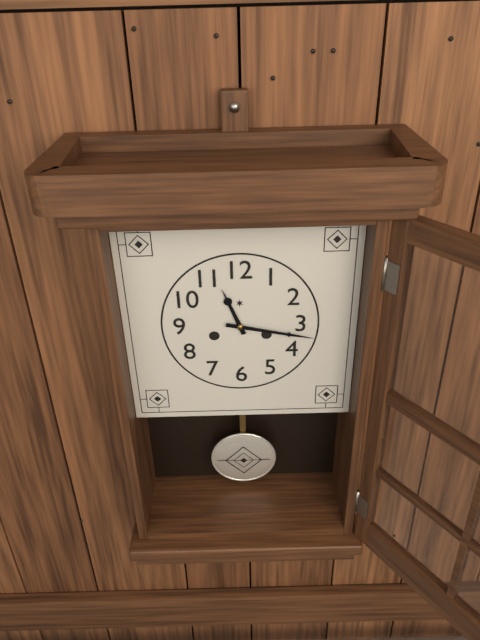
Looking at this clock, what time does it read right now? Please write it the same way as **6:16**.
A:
**11:17**
